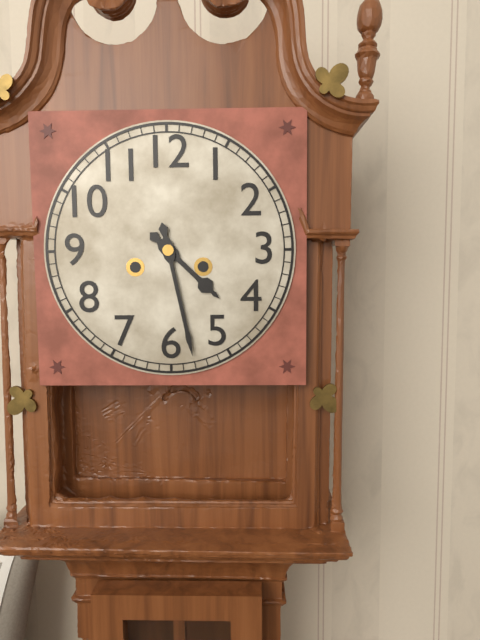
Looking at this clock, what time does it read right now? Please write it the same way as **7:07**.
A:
**4:28**
